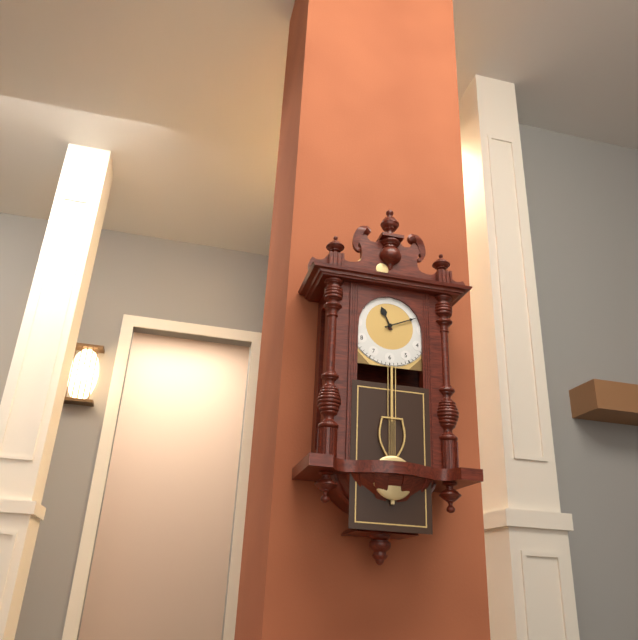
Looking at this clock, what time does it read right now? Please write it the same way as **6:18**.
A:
**11:11**
